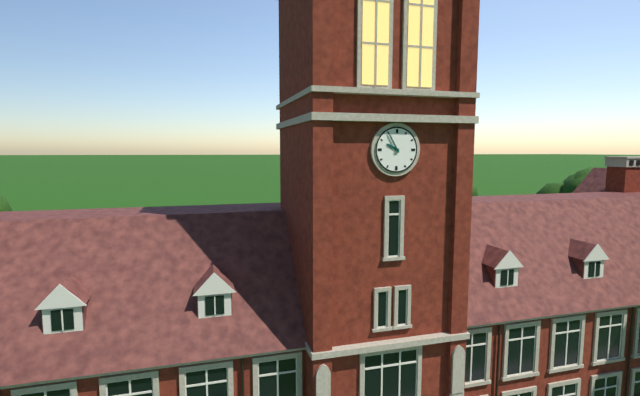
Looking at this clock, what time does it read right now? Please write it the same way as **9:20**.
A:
**9:55**
